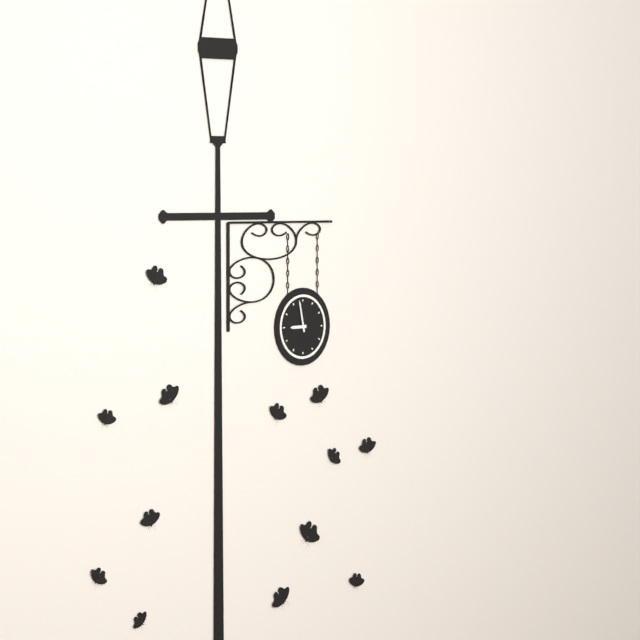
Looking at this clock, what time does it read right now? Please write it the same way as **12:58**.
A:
**8:58**
